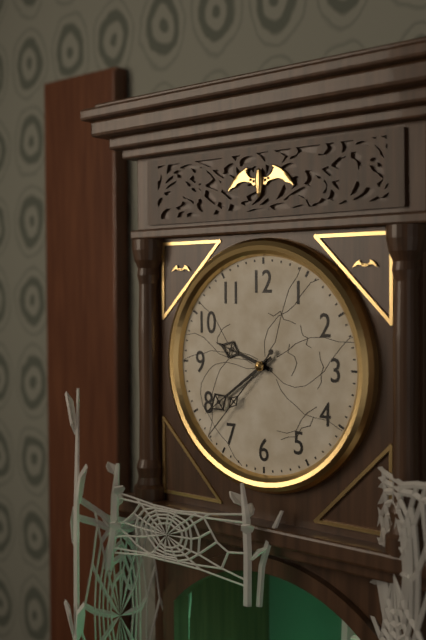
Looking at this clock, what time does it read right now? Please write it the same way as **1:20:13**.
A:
**9:39:37**
